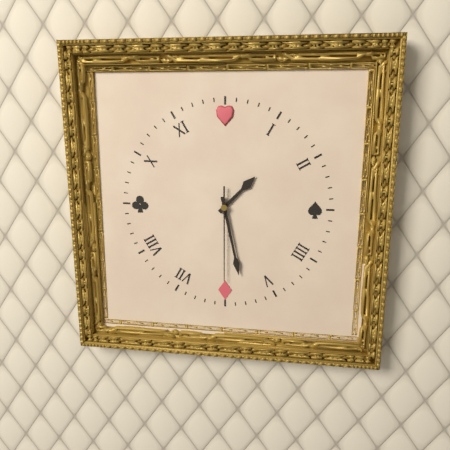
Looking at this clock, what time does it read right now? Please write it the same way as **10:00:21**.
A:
**1:28:30**
